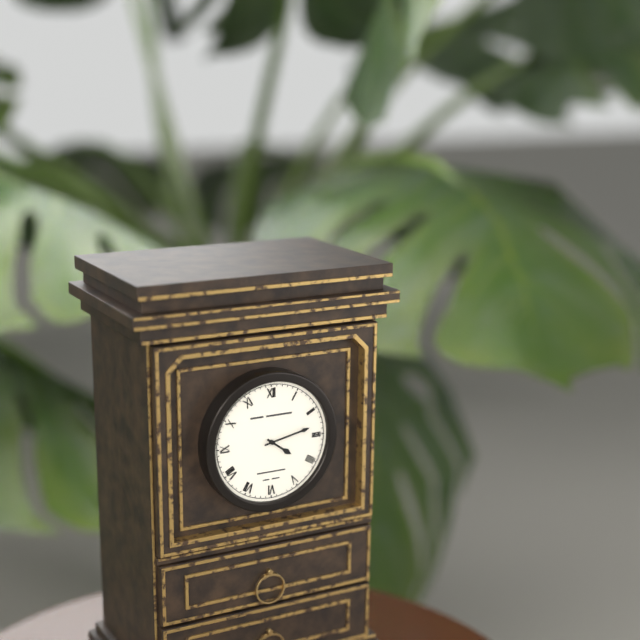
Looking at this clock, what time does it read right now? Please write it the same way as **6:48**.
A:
**4:13**
